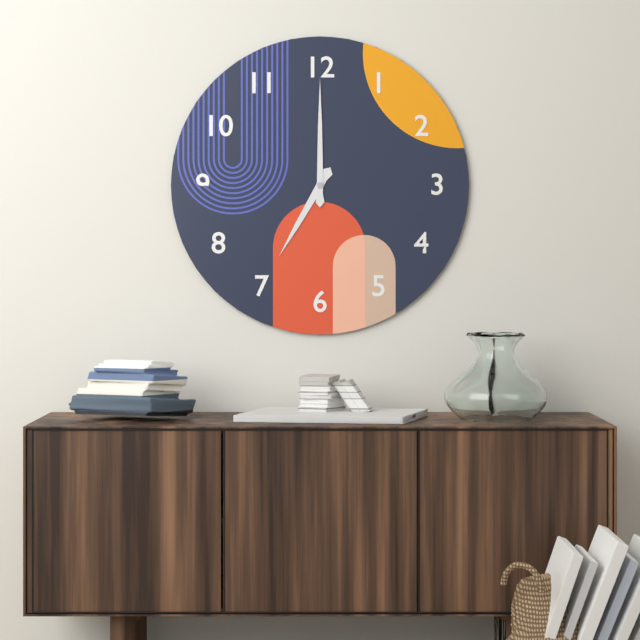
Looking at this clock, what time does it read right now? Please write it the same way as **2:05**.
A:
**7:00**
